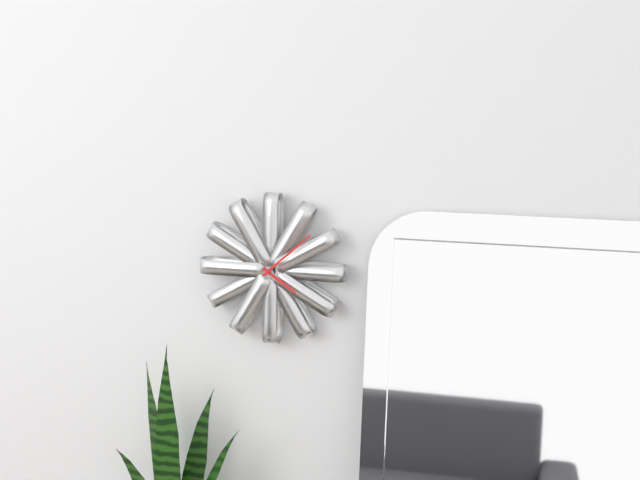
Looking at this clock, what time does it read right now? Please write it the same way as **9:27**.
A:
**4:08**
